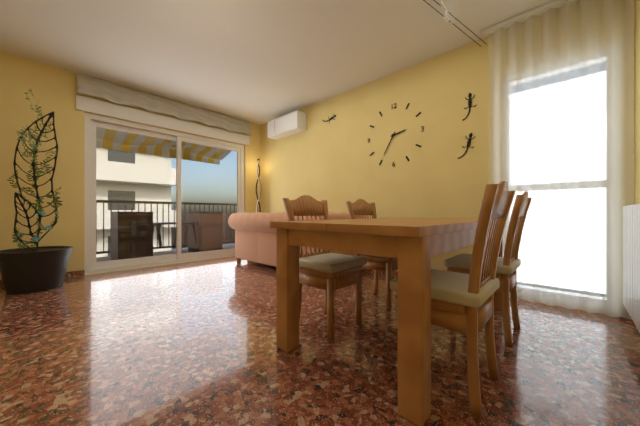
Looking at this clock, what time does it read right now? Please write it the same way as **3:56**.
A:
**2:35**
